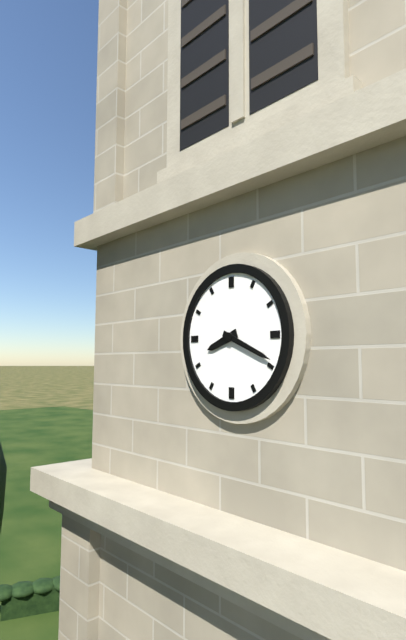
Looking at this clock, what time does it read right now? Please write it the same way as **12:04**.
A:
**8:19**
